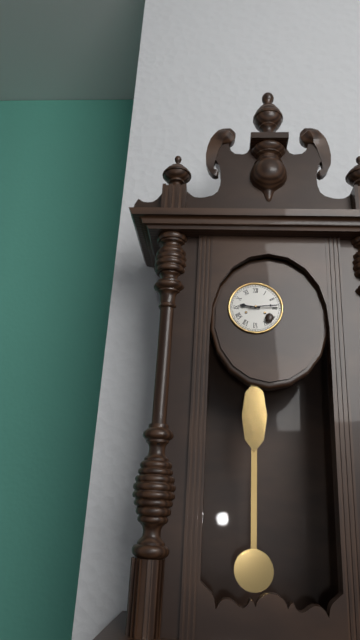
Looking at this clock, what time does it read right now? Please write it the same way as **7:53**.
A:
**9:14**
